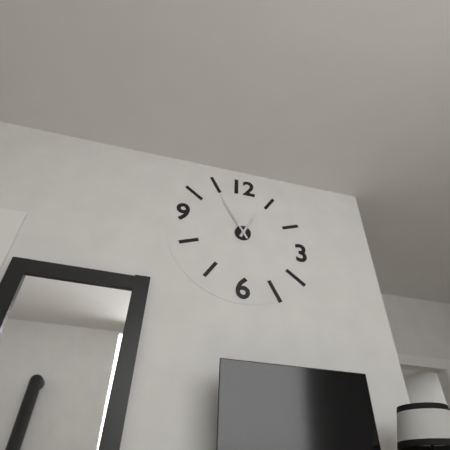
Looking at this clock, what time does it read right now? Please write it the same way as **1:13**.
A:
**12:55**
